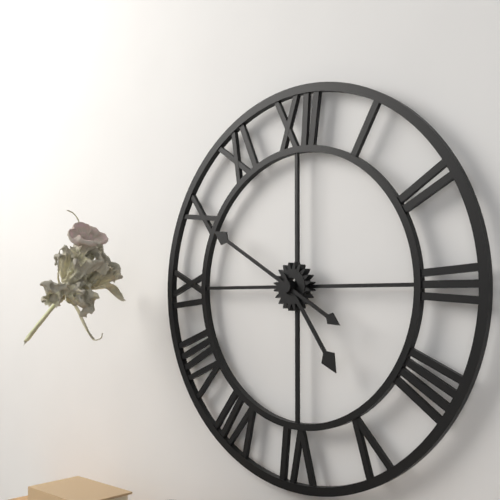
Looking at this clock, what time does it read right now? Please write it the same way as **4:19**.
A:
**4:50**
